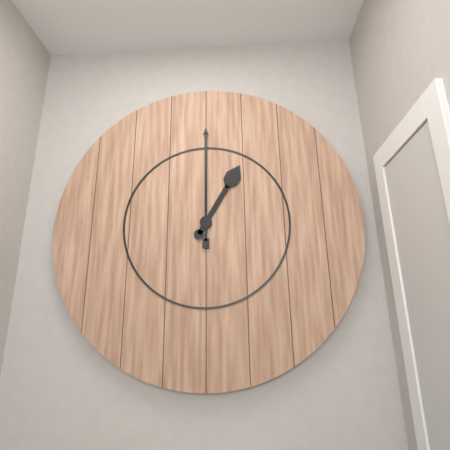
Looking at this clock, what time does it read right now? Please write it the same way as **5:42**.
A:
**1:00**
